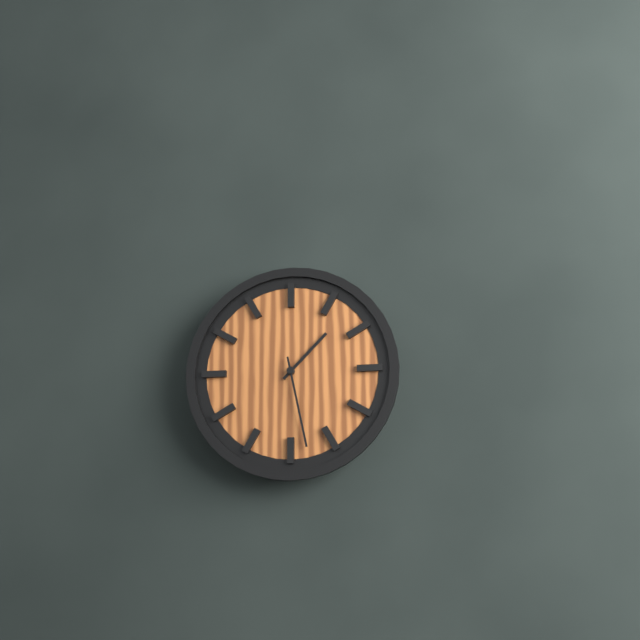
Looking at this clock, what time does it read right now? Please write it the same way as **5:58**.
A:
**1:28**
